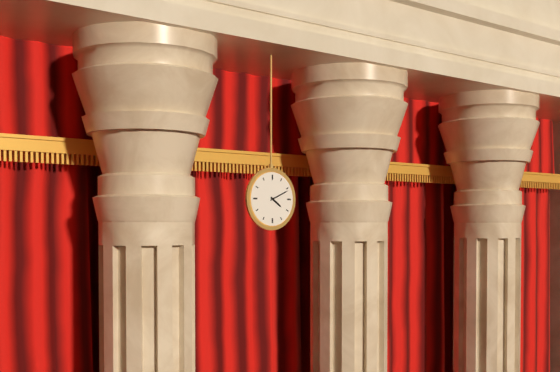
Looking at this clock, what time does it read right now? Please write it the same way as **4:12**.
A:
**4:11**
